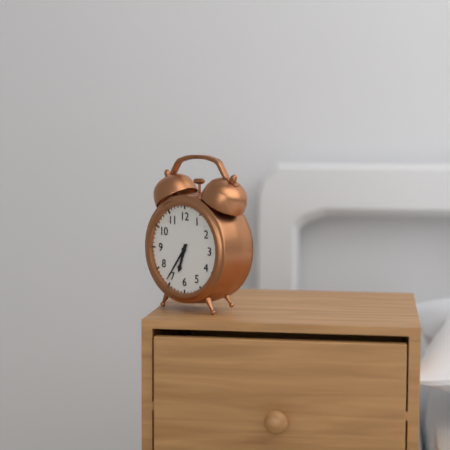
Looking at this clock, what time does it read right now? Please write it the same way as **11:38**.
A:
**6:36**
